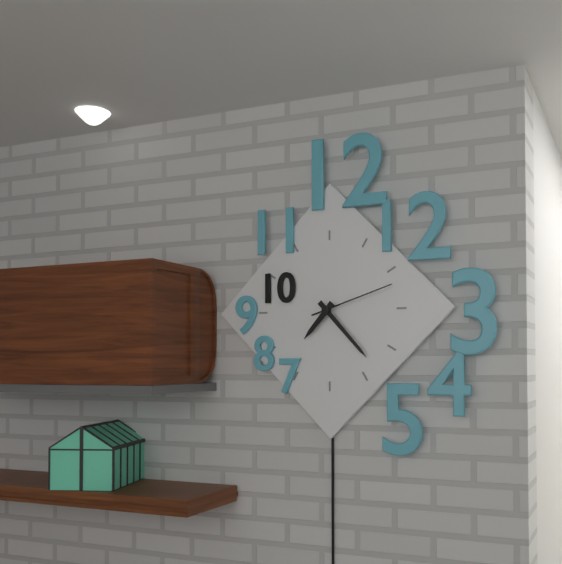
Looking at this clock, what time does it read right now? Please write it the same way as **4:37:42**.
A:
**7:23:12**
